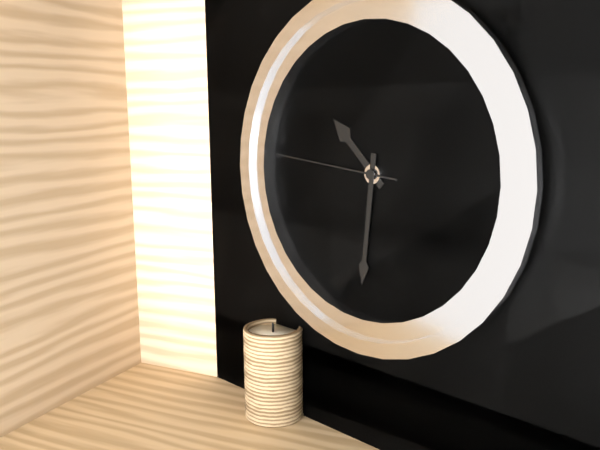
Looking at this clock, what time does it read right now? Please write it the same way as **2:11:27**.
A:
**10:31:46**
